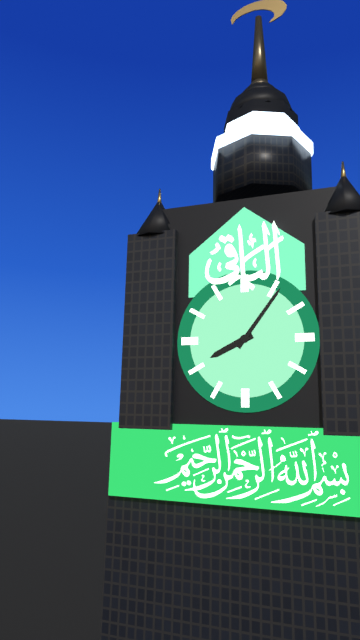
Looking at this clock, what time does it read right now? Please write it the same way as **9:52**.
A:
**8:06**
